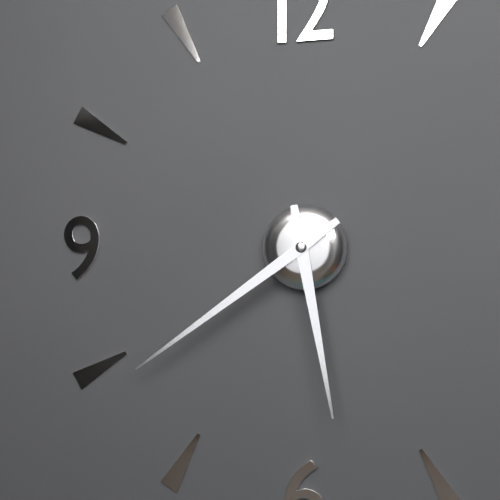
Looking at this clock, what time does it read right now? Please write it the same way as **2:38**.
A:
**5:39**
